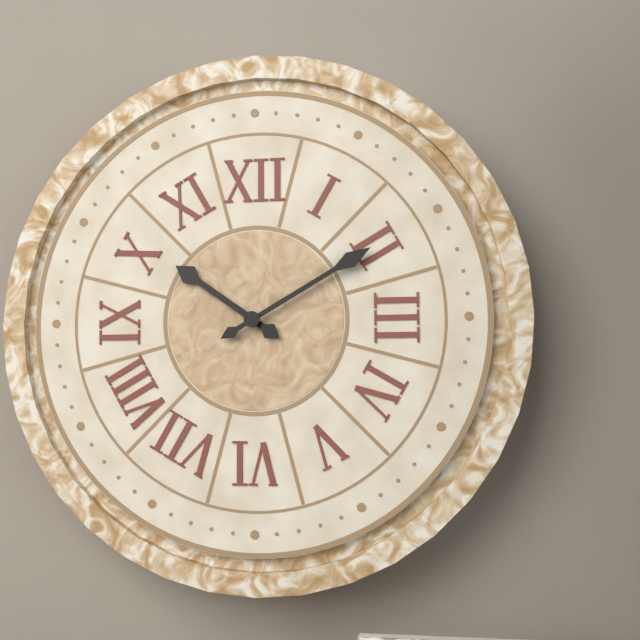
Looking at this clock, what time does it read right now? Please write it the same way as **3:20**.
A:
**10:10**
